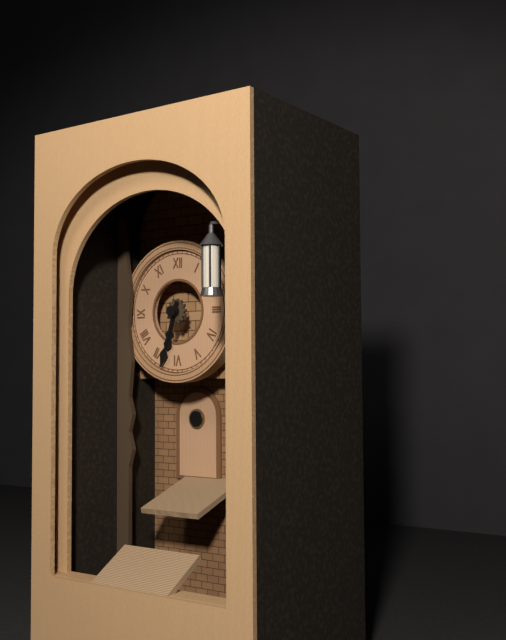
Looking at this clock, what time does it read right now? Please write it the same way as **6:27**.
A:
**6:33**
